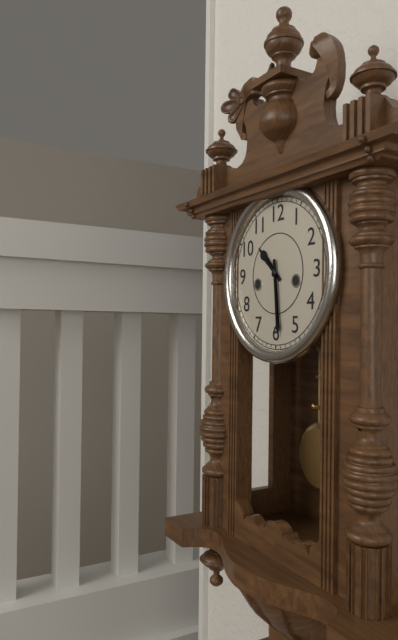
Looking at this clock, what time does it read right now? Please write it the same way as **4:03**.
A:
**10:29**
